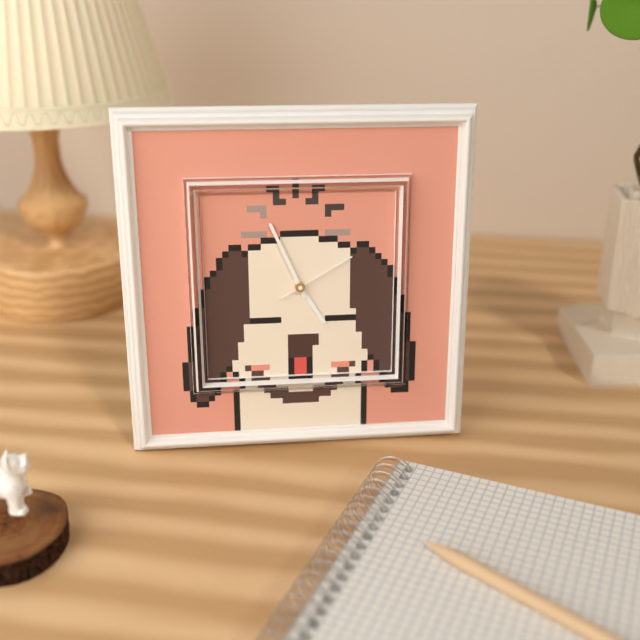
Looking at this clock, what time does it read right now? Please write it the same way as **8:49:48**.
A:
**4:56:10**
